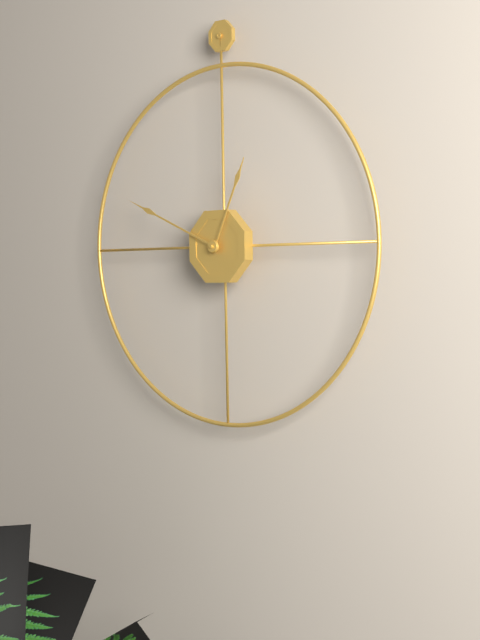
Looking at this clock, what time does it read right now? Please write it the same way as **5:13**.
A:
**12:49**
